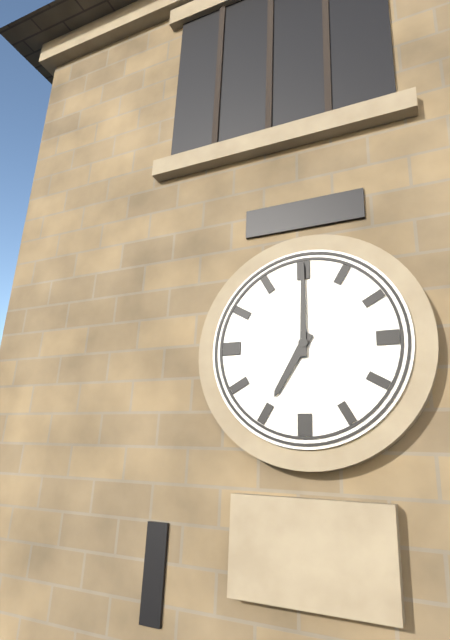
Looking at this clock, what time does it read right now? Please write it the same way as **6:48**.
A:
**7:00**
